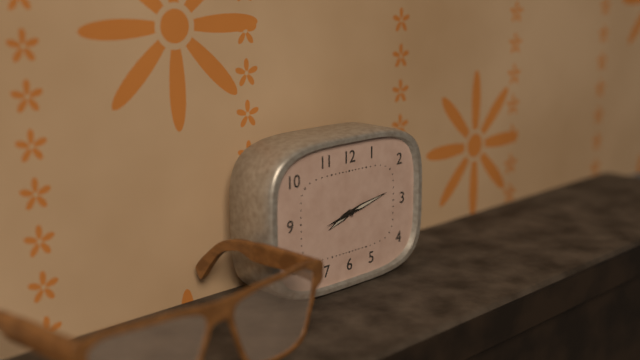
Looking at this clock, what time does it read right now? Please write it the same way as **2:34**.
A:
**8:13**
